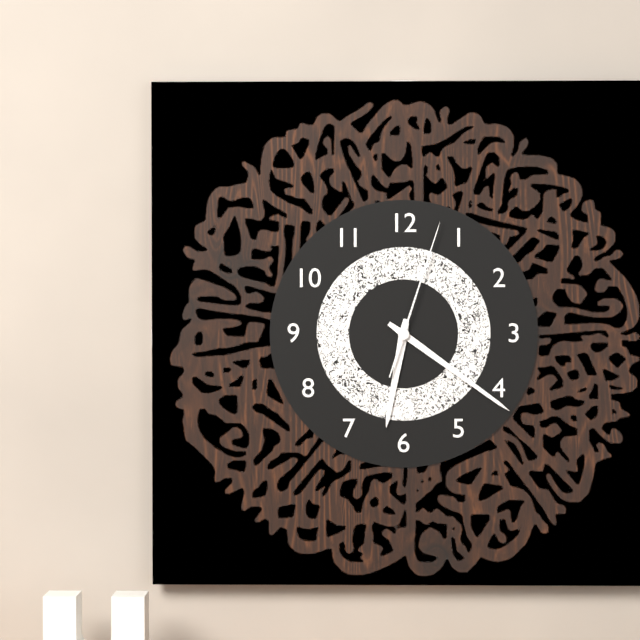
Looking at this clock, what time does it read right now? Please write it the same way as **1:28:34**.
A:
**6:21:03**
